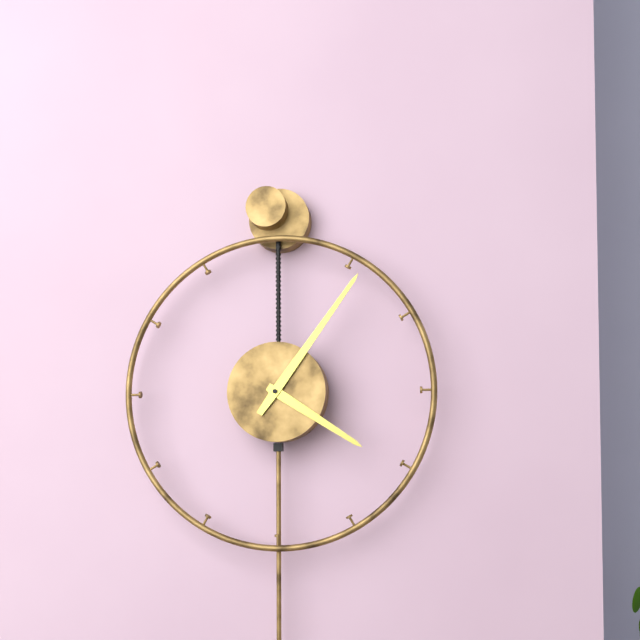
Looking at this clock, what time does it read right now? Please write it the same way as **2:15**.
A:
**4:06**
